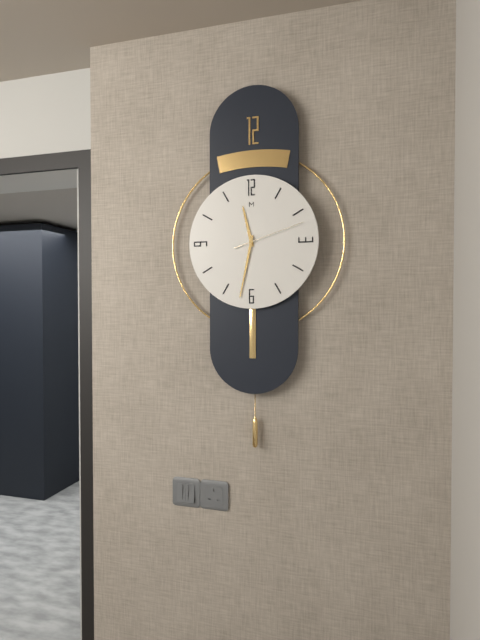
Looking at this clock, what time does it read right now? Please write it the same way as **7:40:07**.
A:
**11:32:12**
